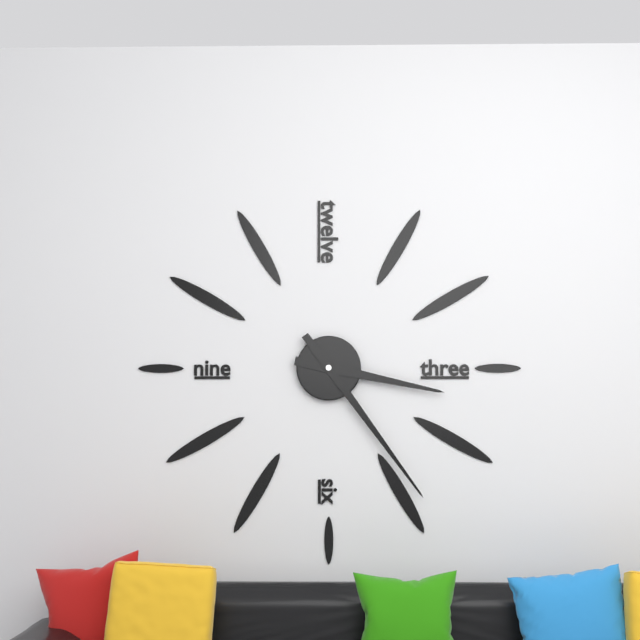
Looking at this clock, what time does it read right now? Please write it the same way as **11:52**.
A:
**3:24**
